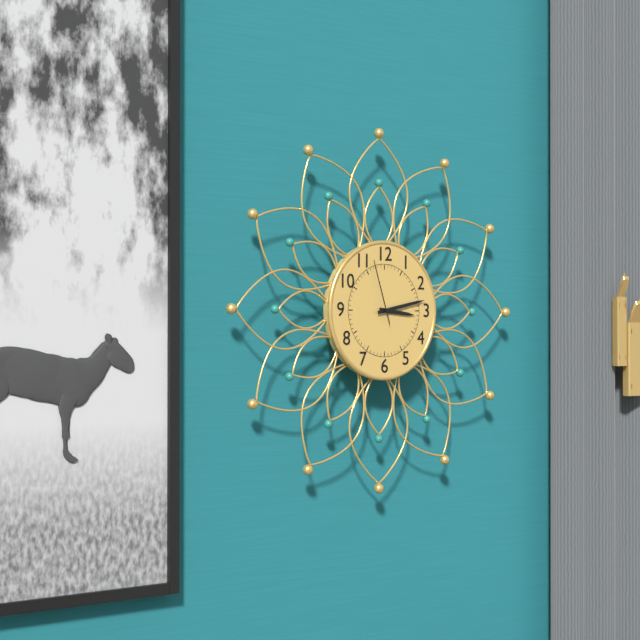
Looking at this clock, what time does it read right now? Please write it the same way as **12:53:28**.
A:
**3:13:57**
